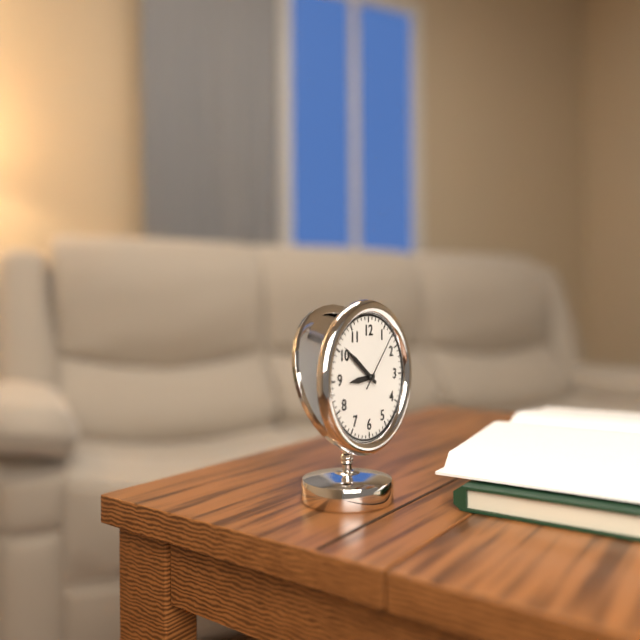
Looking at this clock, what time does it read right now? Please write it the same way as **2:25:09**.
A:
**8:51:07**
